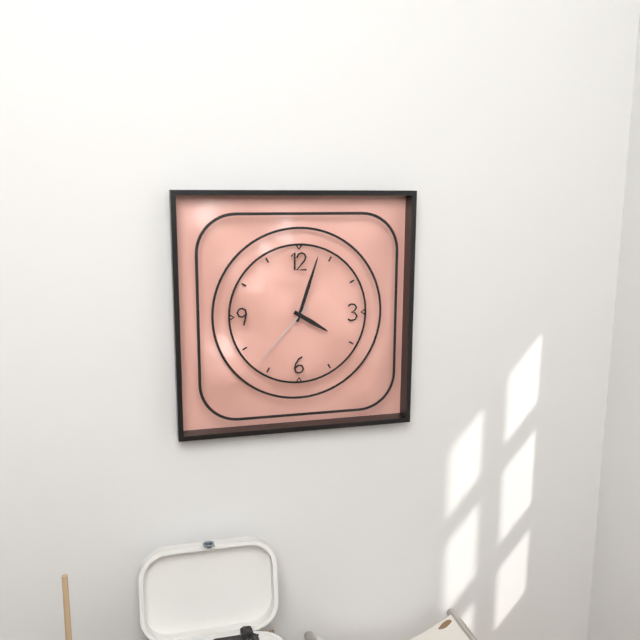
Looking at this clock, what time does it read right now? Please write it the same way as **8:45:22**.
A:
**4:03:37**
